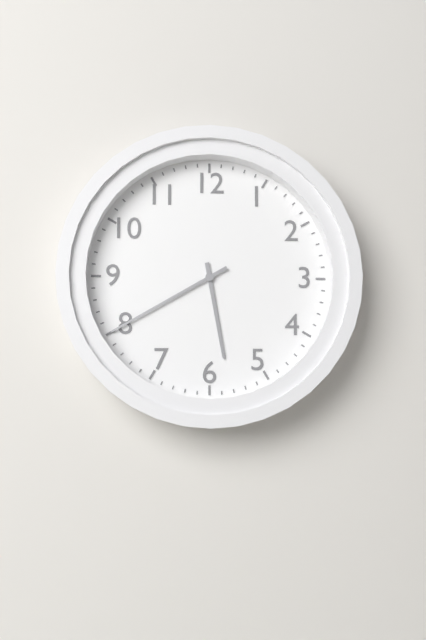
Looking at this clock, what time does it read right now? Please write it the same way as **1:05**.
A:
**5:40**
